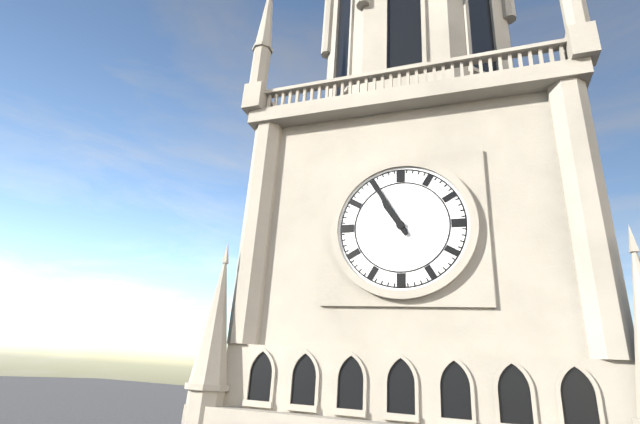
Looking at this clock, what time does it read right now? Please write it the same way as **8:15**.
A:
**10:55**
